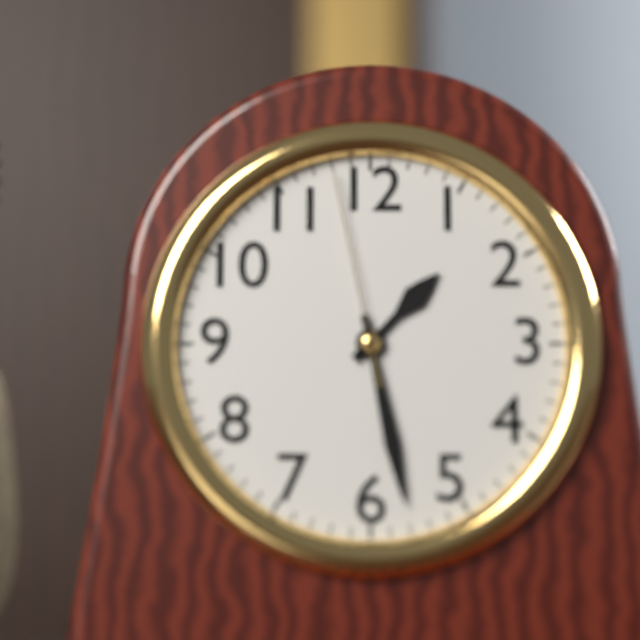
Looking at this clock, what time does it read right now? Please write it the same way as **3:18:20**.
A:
**1:28:58**
